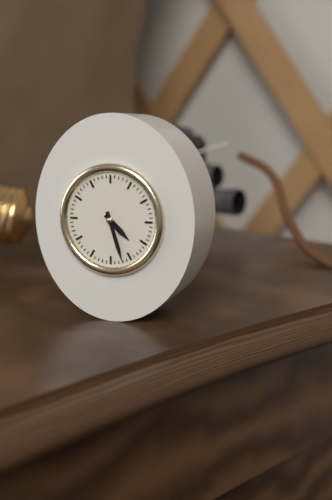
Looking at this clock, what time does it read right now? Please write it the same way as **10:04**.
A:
**4:27**
